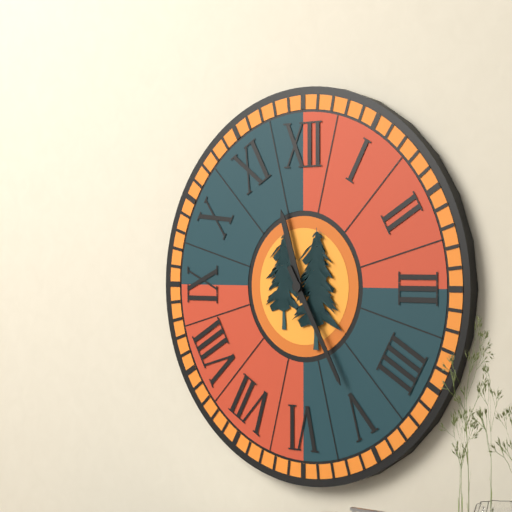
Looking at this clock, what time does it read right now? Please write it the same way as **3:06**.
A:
**11:25**
